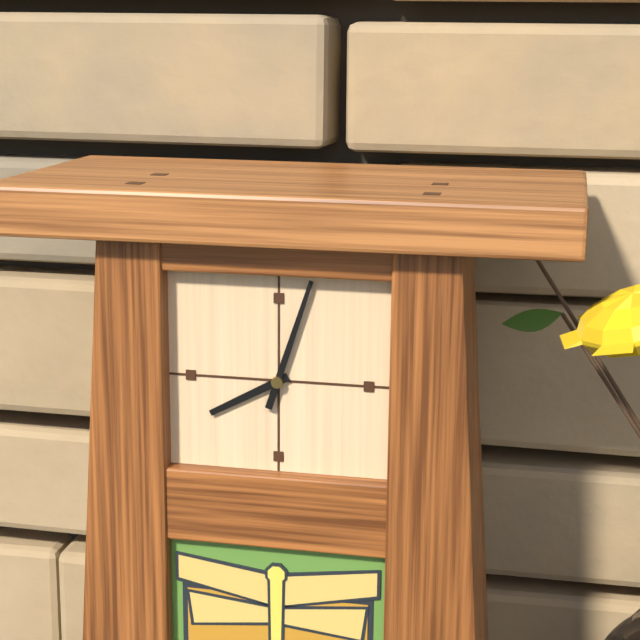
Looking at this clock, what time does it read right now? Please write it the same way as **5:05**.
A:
**8:03**
